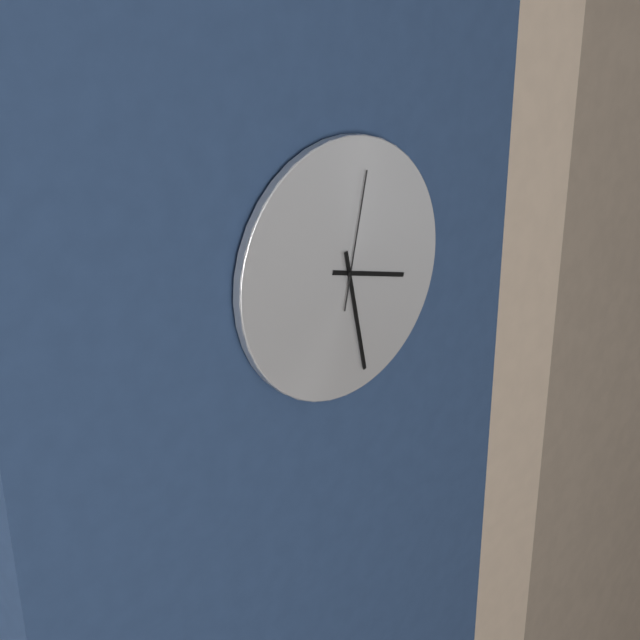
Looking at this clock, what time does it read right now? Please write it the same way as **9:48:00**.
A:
**3:28:02**
